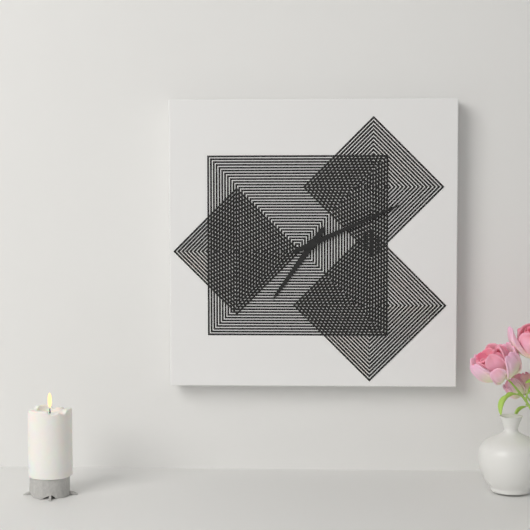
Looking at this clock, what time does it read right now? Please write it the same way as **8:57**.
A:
**7:11**
